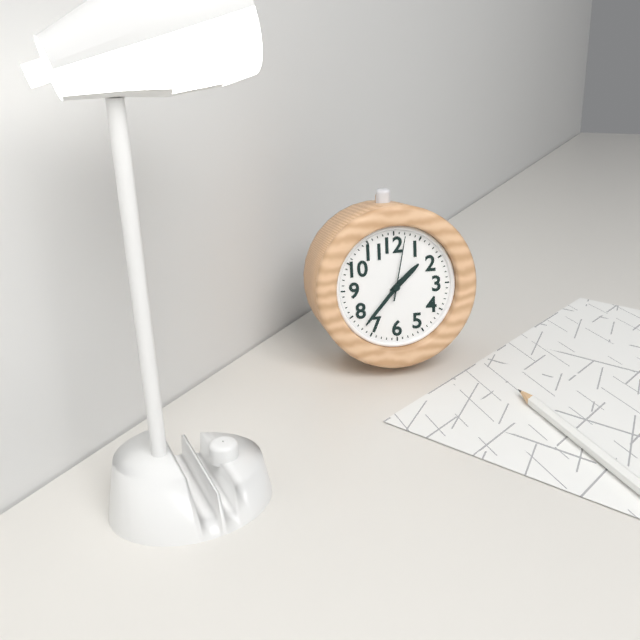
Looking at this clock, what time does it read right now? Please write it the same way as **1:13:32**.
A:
**1:37:02**
